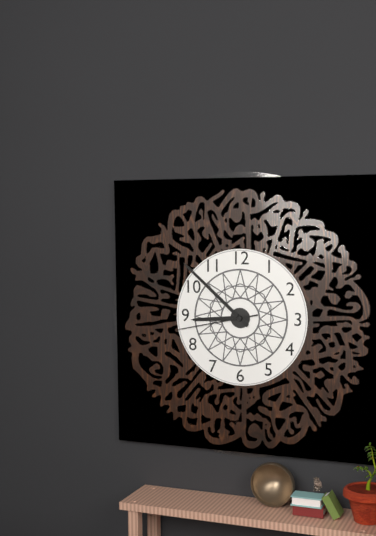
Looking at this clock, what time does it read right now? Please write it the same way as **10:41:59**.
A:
**8:52:43**
